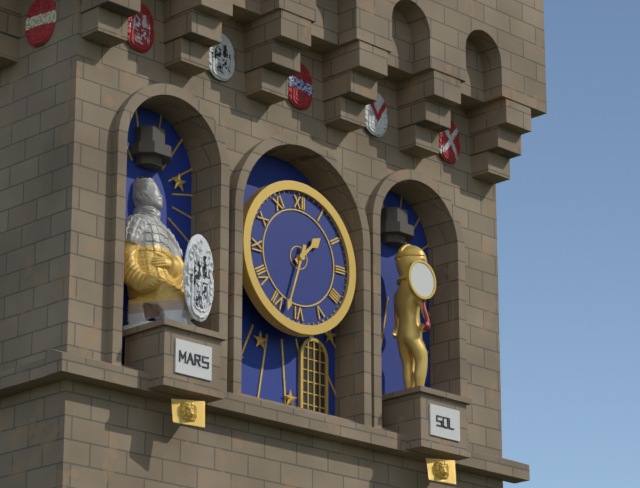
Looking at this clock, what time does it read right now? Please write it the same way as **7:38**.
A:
**1:33**
